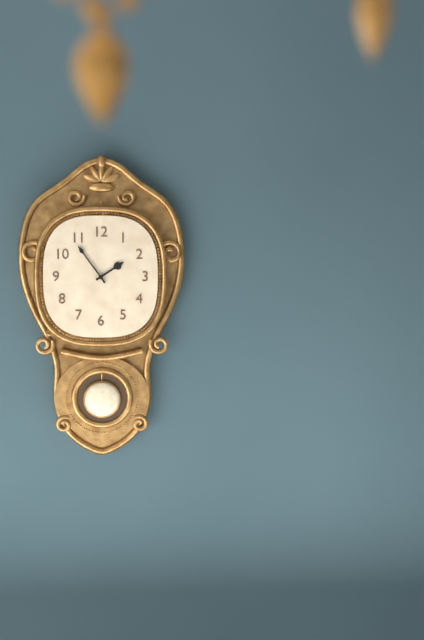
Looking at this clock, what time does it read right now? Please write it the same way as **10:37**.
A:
**1:54**
